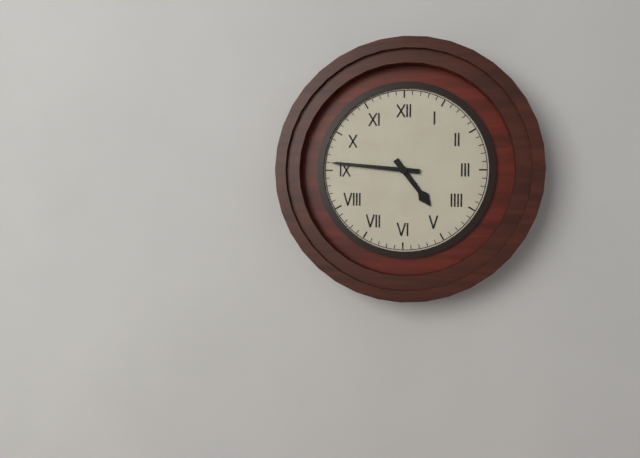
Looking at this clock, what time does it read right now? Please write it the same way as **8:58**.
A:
**4:46**
